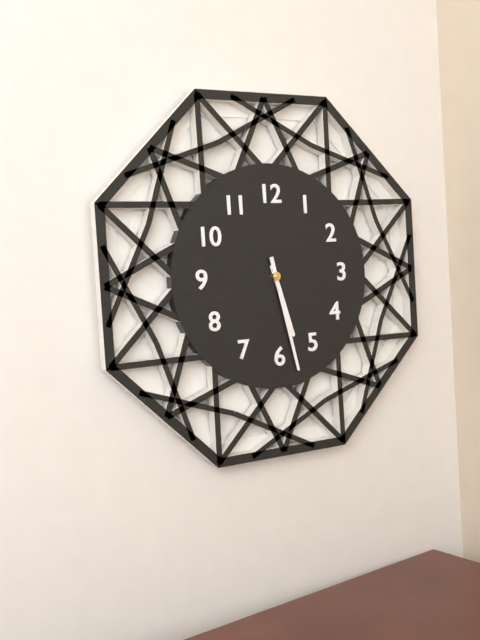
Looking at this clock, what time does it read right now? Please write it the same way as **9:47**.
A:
**5:28**
